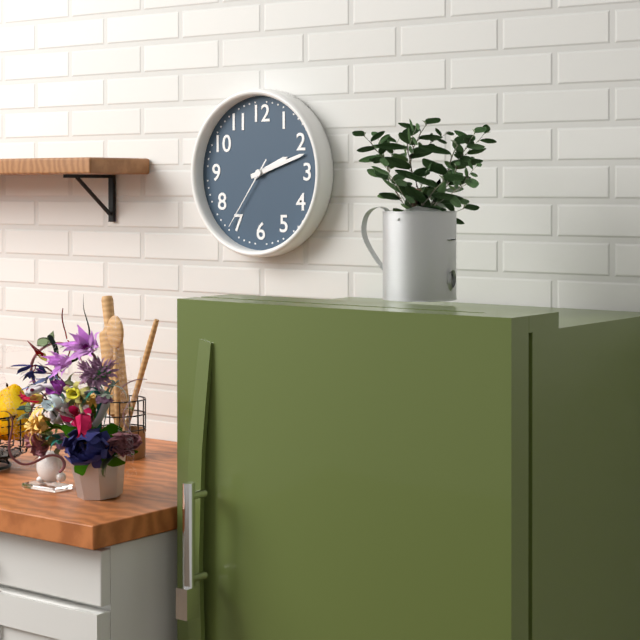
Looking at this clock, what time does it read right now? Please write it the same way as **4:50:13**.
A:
**2:12:36**
